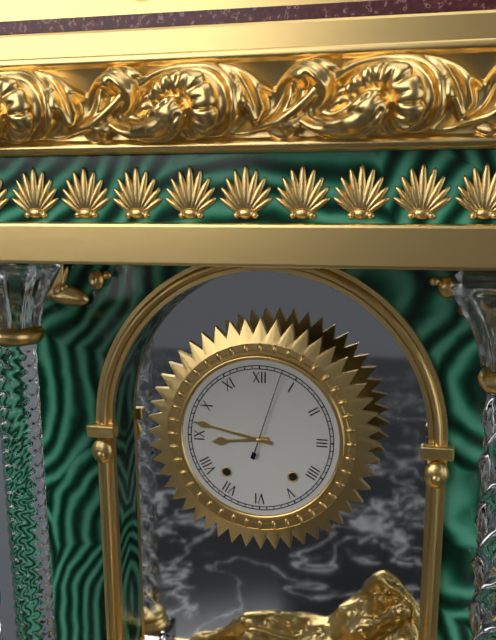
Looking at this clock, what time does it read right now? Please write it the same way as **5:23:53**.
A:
**8:47:03**
